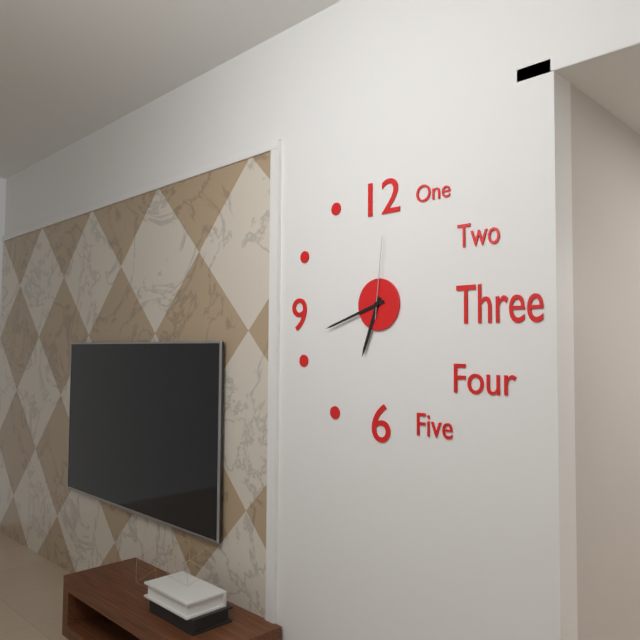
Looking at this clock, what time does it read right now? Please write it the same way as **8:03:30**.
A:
**6:42:01**
